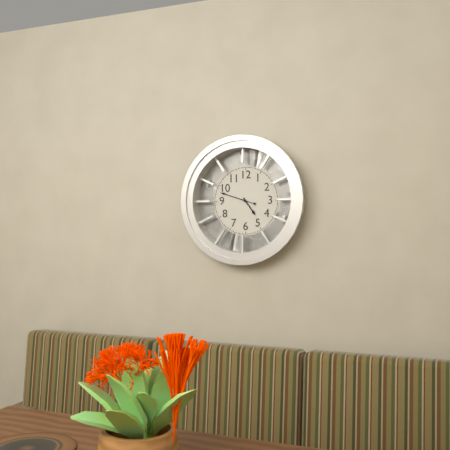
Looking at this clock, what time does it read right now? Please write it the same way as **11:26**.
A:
**4:48**
